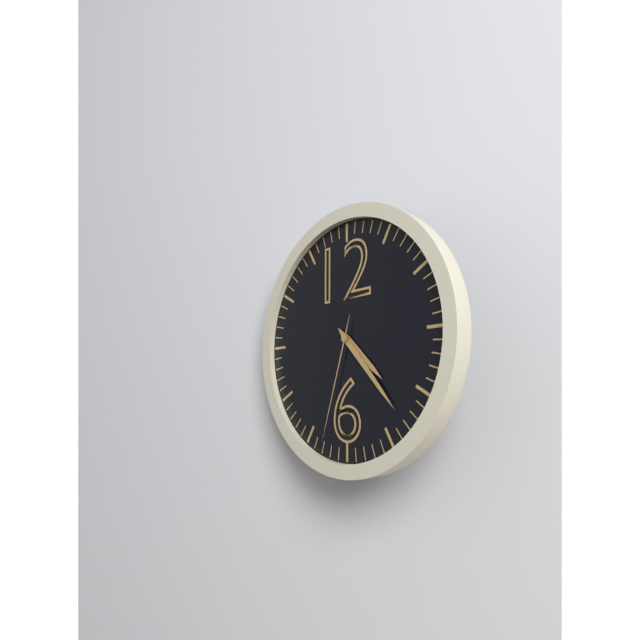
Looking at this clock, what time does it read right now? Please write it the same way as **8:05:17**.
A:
**4:23:33**
